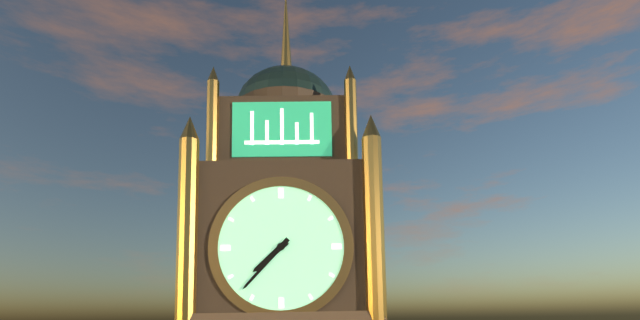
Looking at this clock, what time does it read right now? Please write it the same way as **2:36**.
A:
**7:37**
